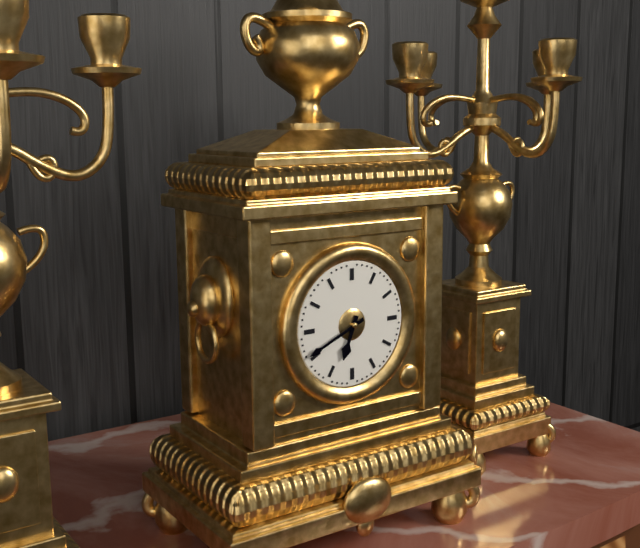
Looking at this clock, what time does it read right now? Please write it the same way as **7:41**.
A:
**6:41**
